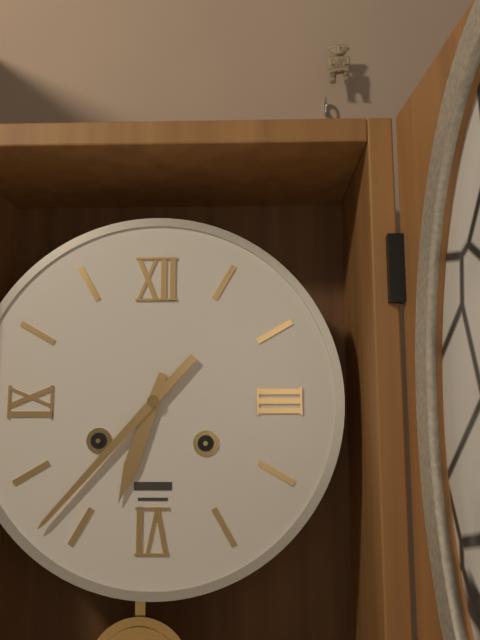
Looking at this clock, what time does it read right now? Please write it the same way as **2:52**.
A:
**6:37**
